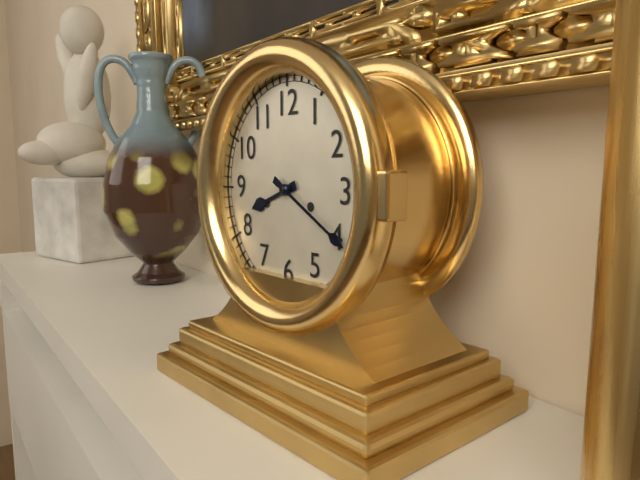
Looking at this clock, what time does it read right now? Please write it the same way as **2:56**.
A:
**8:20**
